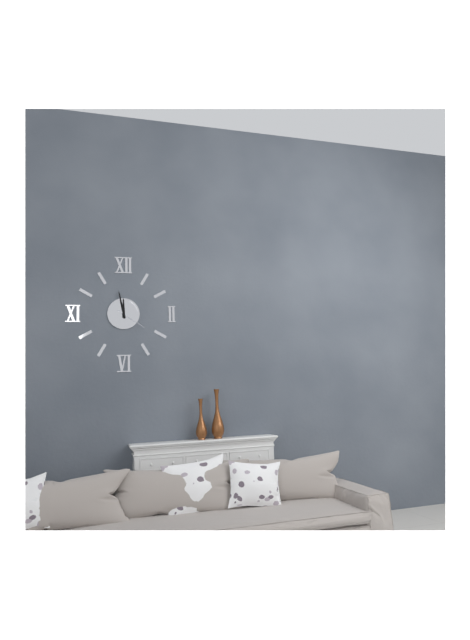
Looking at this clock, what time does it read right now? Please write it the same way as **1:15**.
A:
**11:58**
